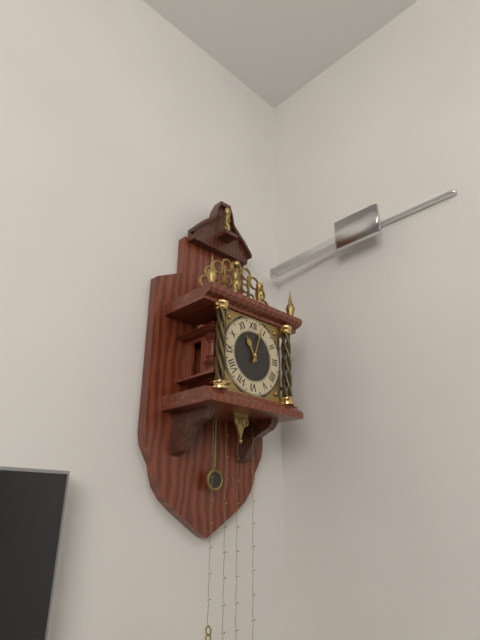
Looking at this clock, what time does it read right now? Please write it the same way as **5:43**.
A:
**11:03**
